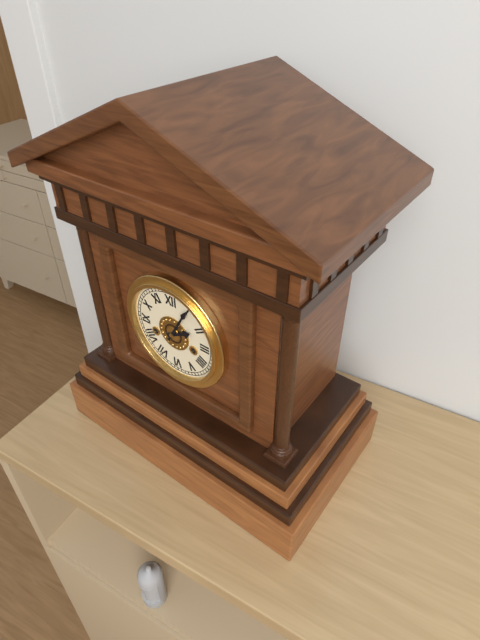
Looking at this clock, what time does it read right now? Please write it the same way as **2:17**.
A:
**2:05**
